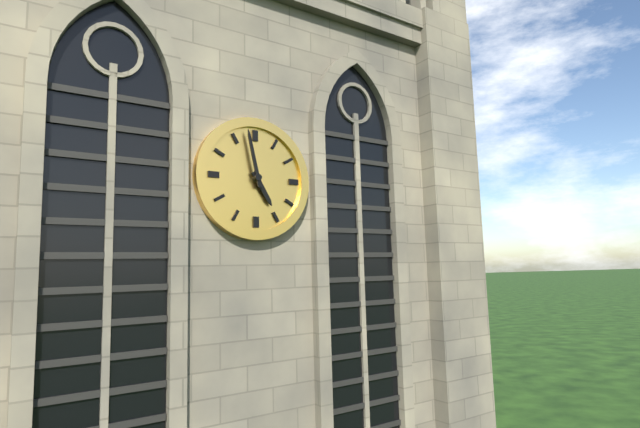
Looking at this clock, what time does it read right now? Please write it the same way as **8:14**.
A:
**4:58**
